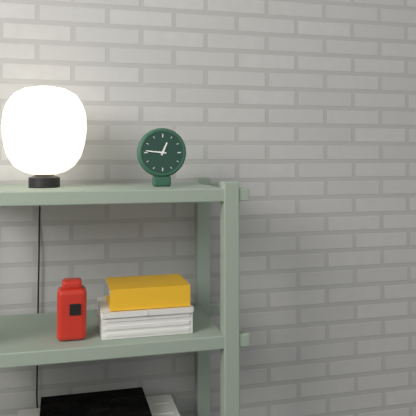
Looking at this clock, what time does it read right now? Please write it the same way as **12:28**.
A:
**12:46**
